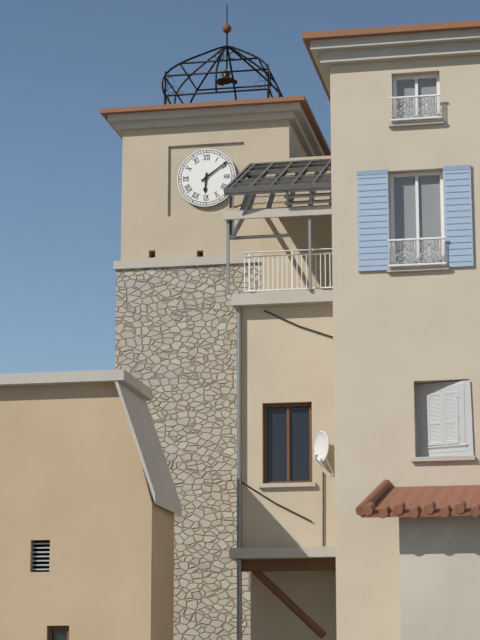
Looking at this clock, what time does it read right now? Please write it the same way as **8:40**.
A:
**6:09**
